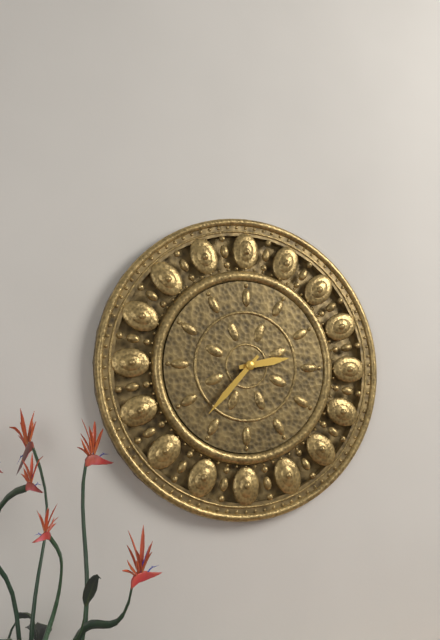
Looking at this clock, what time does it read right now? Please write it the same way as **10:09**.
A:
**2:37**
